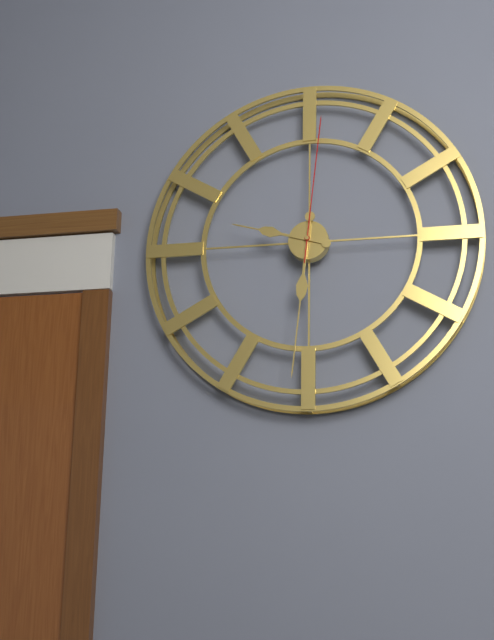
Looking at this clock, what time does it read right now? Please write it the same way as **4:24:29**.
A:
**9:31:01**
